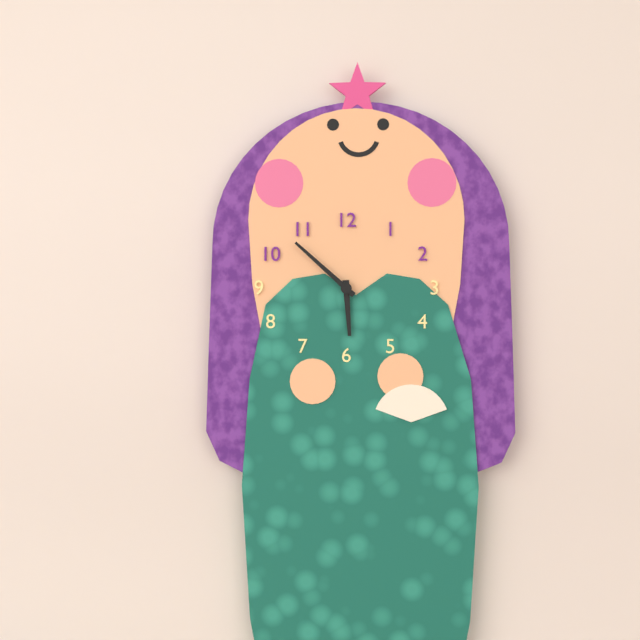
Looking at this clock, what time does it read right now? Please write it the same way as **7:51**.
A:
**5:52**
